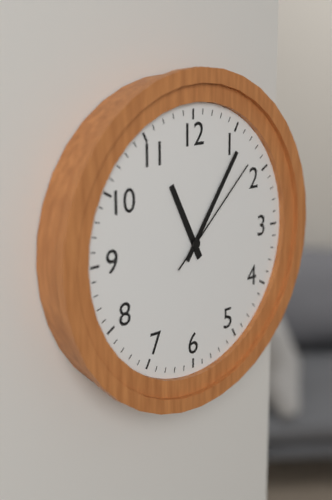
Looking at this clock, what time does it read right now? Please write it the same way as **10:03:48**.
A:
**11:06:08**
